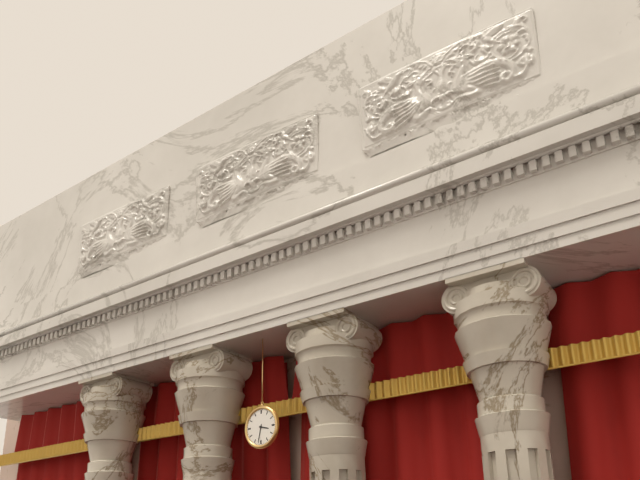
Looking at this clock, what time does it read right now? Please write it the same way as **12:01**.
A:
**3:32**
